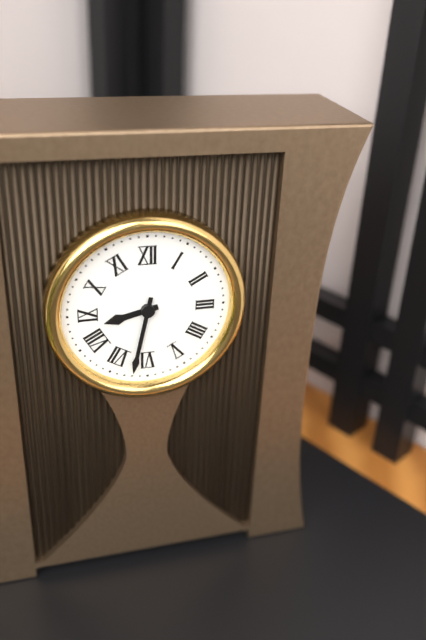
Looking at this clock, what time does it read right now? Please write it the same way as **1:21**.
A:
**8:32**
